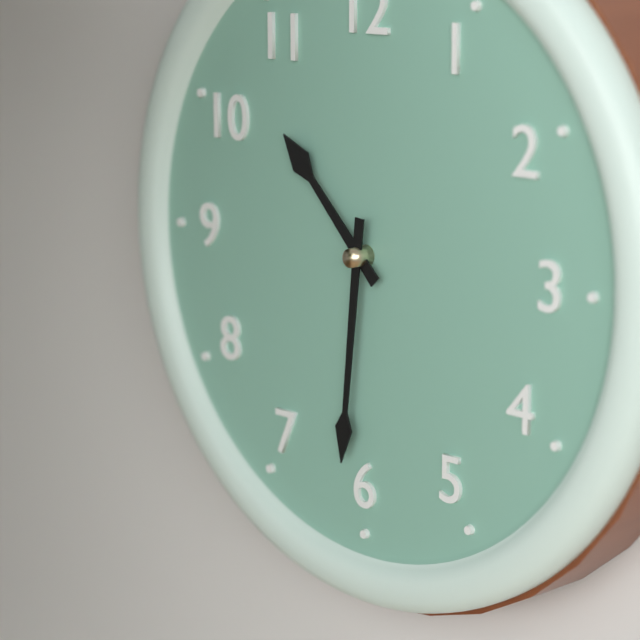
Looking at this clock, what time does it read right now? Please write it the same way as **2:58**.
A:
**10:31**
